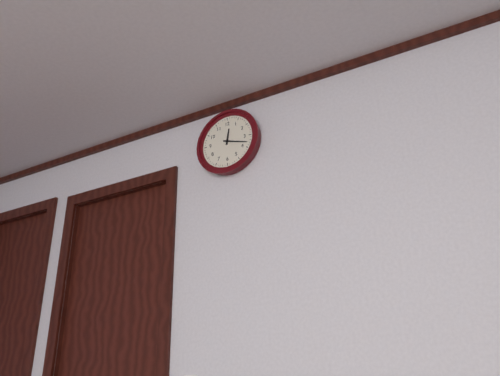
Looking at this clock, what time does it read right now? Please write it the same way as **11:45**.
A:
**12:18**
